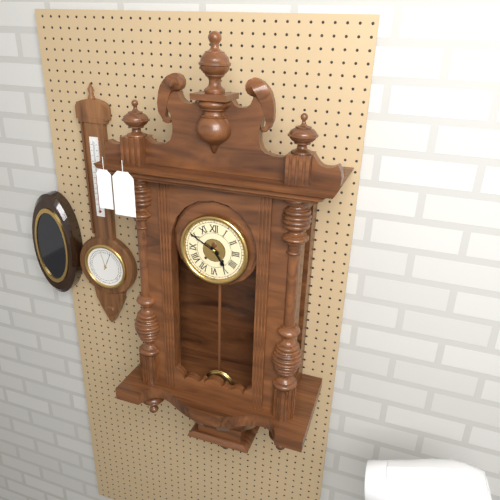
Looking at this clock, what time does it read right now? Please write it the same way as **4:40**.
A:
**4:50**
